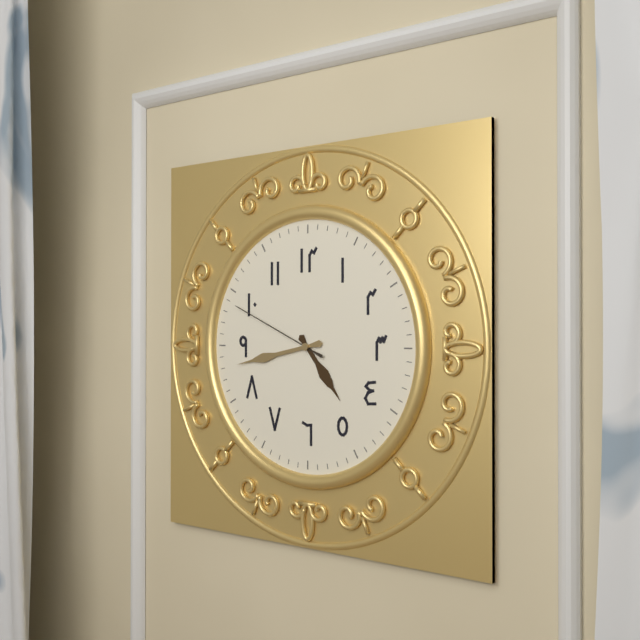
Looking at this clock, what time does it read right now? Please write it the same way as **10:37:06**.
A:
**4:43:49**
